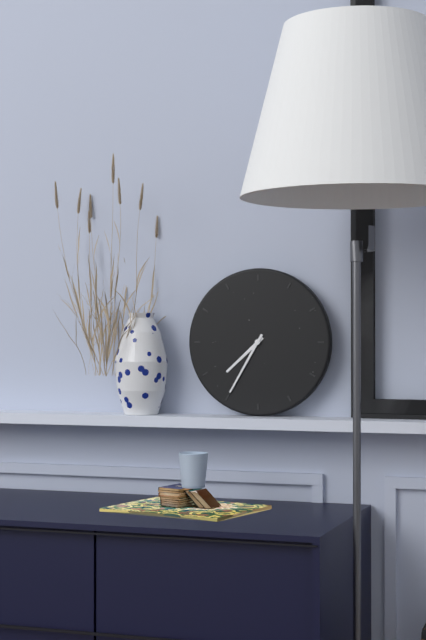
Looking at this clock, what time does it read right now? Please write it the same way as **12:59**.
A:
**7:35**
